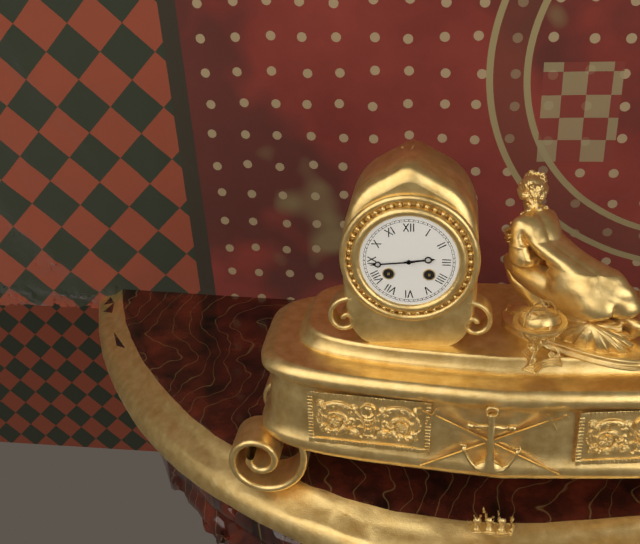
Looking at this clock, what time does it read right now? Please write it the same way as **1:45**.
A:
**2:44**
